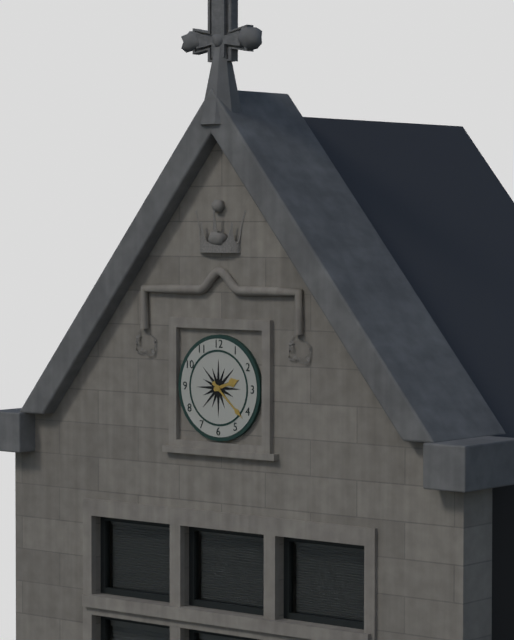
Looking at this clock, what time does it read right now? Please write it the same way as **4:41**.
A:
**2:22**
